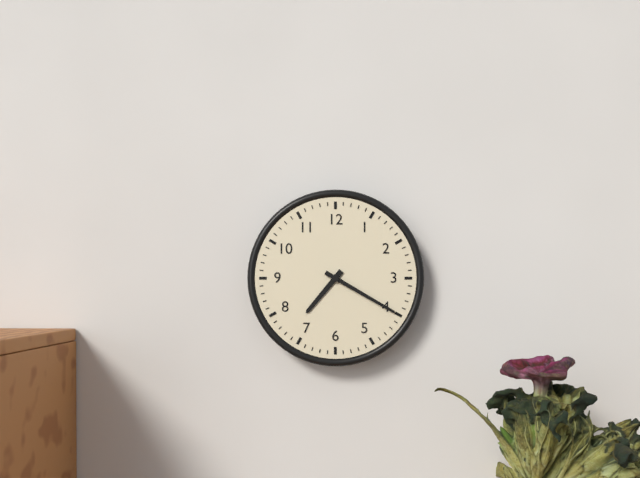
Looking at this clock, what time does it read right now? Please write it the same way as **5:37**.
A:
**7:20**
